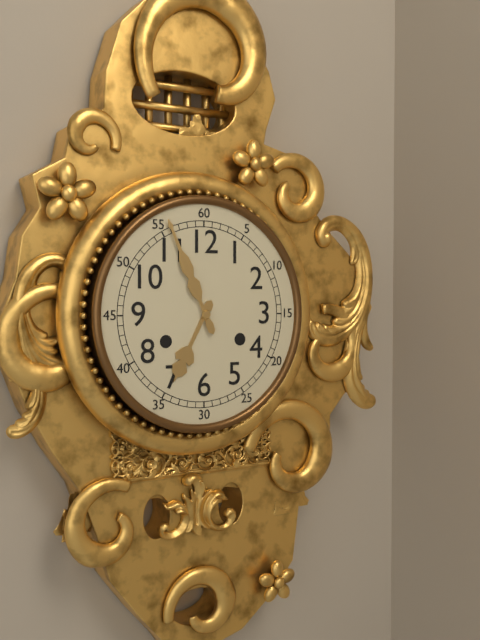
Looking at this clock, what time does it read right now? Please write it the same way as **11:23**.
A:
**6:56**
